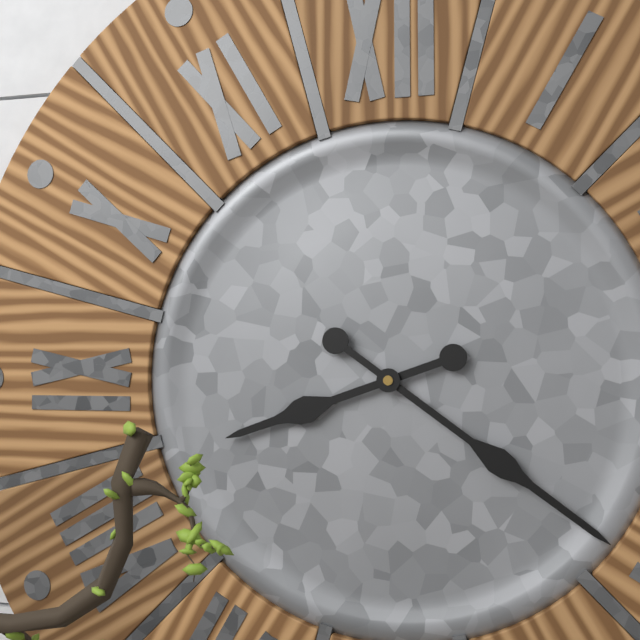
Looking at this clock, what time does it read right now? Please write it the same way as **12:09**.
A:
**8:21**
